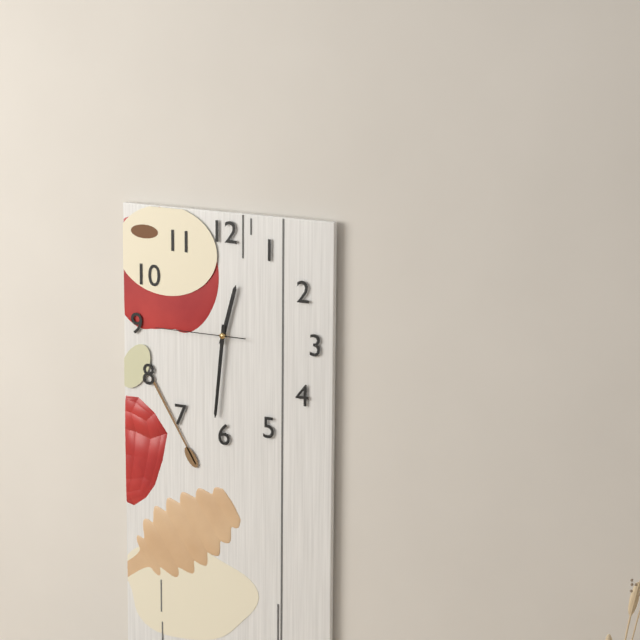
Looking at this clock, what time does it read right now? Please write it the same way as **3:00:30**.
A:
**12:31:45**
